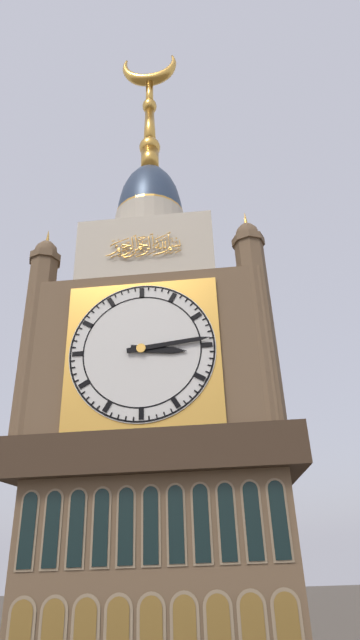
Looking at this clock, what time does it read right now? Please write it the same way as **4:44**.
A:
**3:14**
